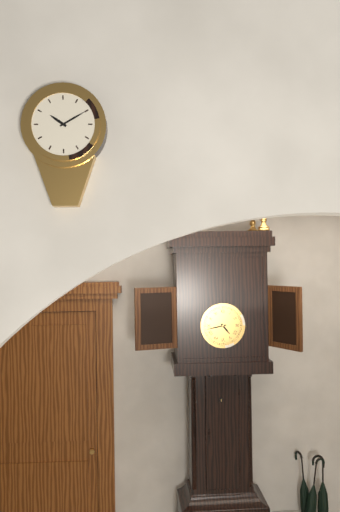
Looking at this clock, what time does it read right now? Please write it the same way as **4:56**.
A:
**4:43**
